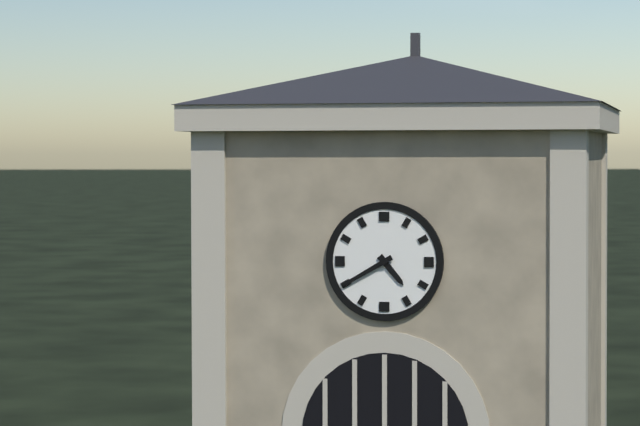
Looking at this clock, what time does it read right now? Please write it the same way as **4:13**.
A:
**4:40**
